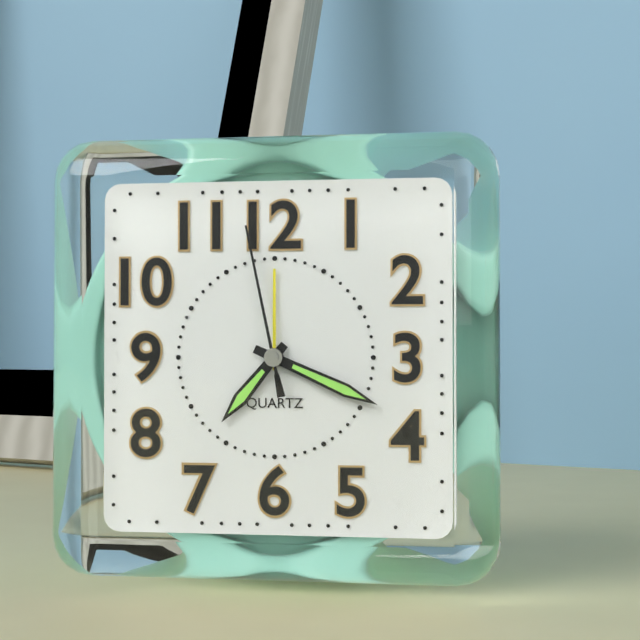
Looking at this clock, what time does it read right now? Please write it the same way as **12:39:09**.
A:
**7:19:58**
